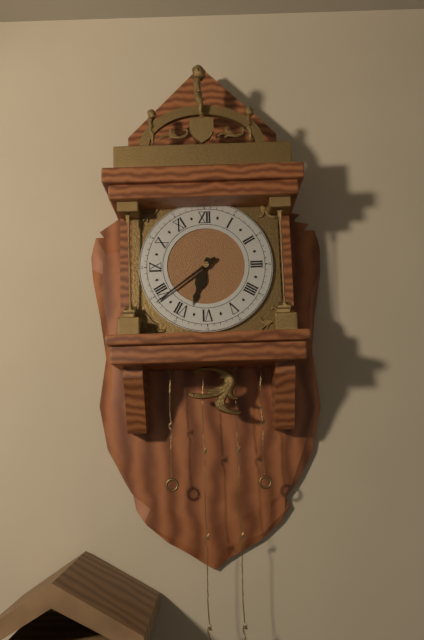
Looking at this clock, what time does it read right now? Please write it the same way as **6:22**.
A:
**6:39**
